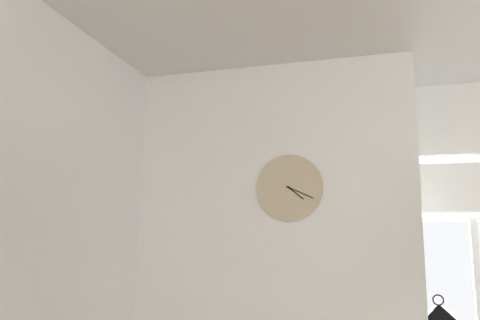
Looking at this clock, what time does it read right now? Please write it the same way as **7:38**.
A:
**4:19**
